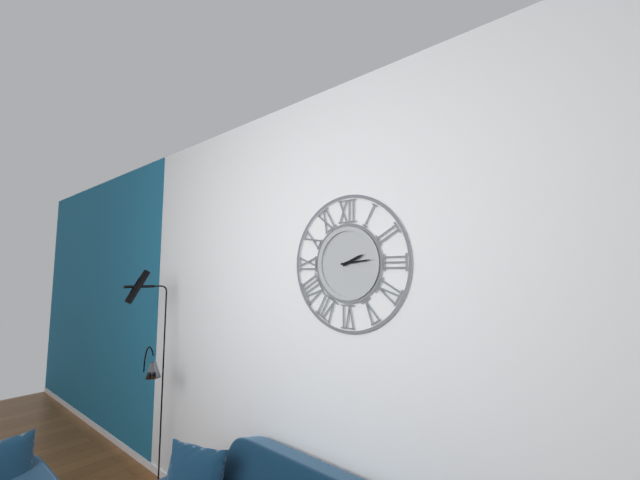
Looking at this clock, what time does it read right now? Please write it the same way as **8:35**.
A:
**2:14**
